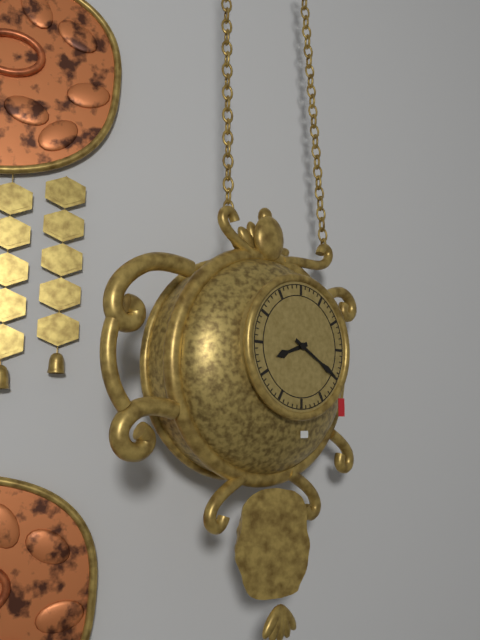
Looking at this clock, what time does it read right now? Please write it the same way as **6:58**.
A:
**8:20**
